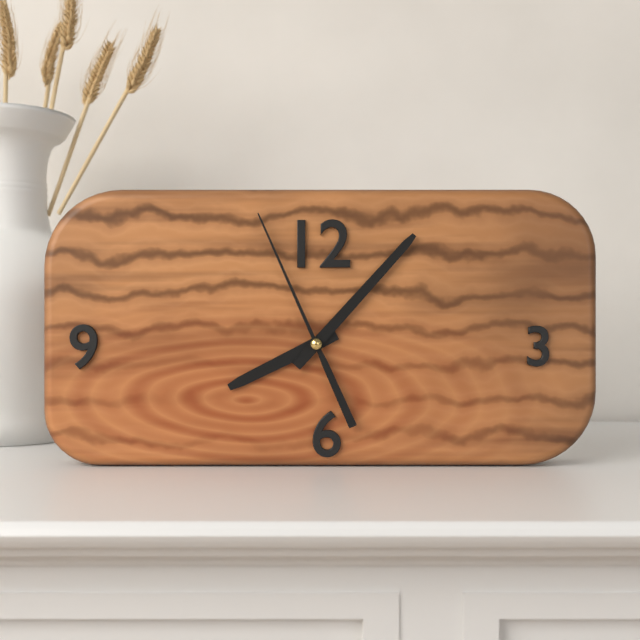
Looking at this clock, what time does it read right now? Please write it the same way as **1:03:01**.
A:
**8:07:56**
